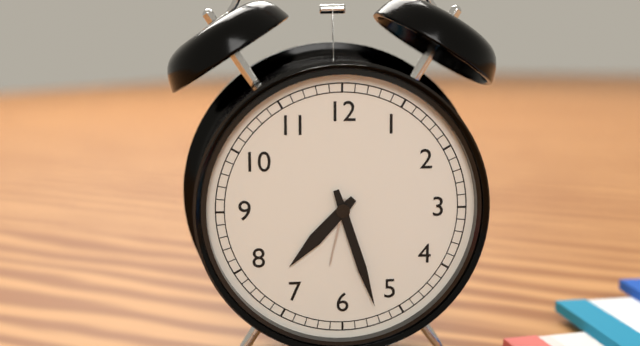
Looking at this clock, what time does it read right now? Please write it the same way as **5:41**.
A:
**7:27**
